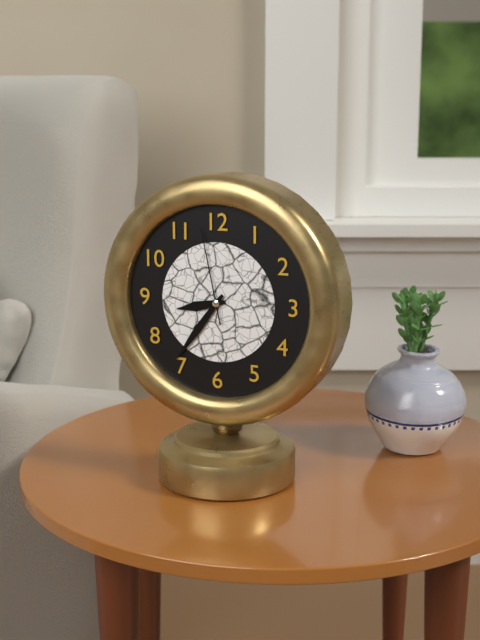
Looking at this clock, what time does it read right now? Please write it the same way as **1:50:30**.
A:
**8:36:58**
